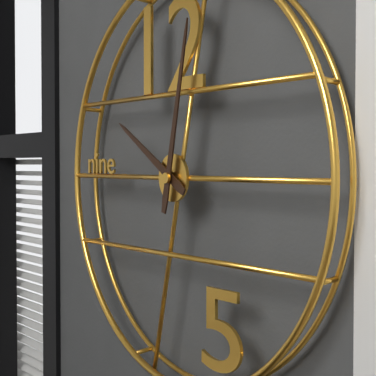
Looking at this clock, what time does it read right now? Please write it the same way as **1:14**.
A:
**10:02**
